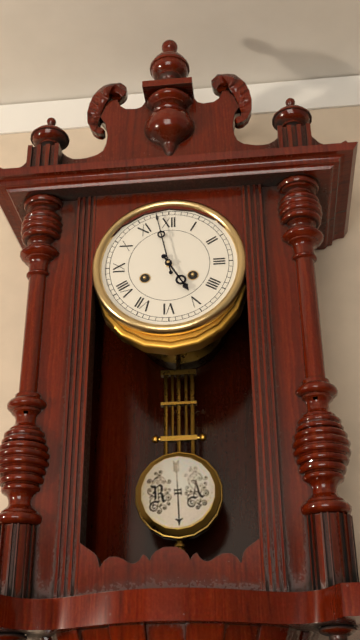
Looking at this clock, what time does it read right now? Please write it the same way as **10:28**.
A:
**4:58**
